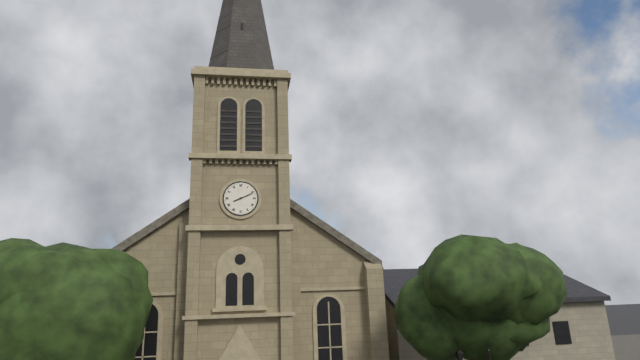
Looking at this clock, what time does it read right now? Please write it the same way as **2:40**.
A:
**8:11**
